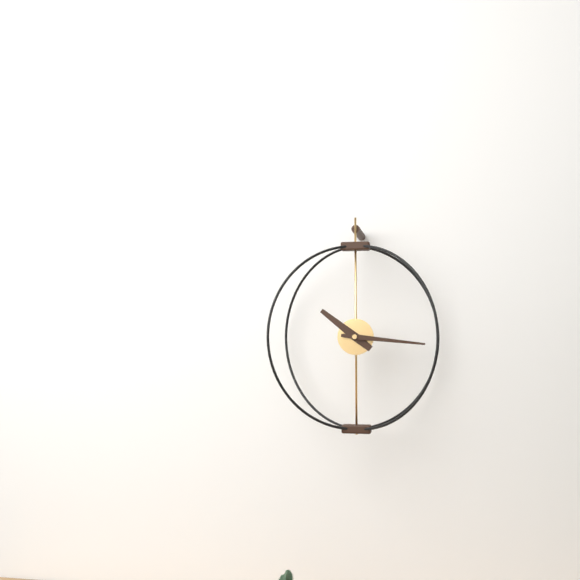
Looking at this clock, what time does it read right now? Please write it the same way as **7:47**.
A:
**10:16**
